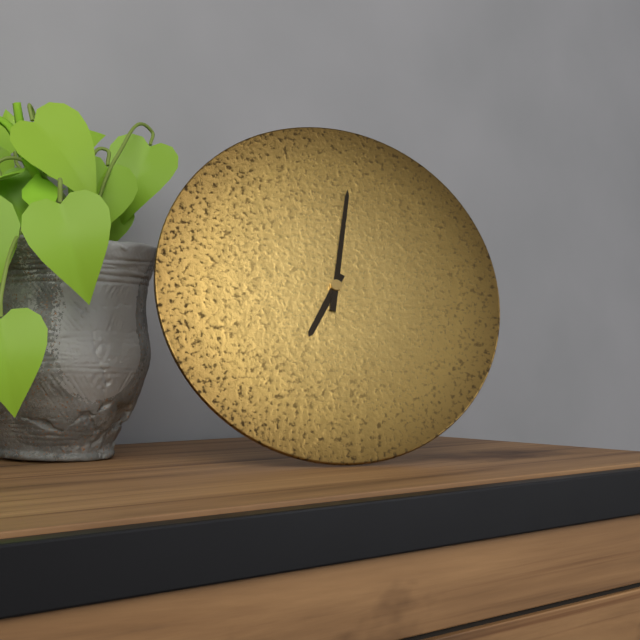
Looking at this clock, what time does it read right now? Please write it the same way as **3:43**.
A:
**7:02**
